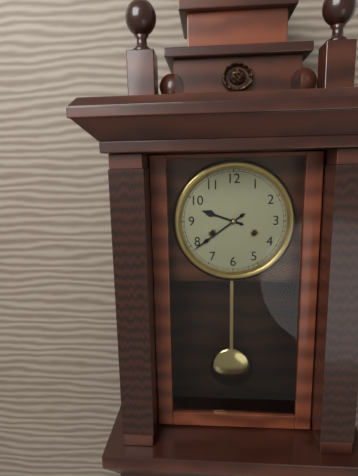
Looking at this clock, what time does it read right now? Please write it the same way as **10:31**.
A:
**9:39**
